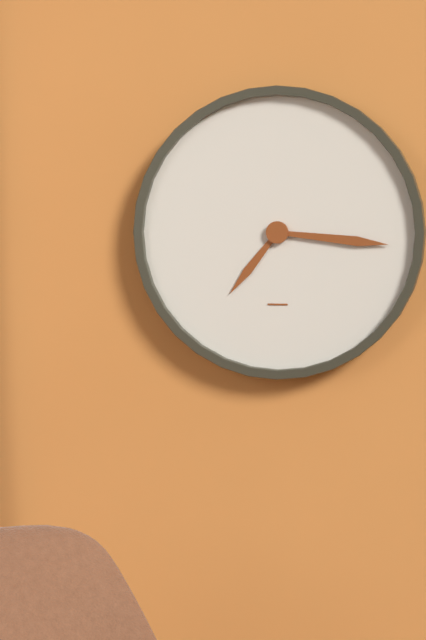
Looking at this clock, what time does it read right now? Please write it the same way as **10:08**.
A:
**7:16**
